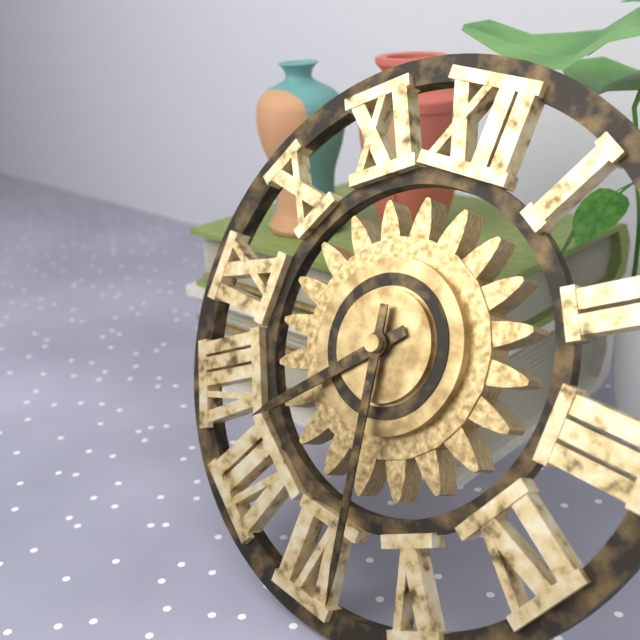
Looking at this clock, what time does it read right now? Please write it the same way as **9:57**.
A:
**7:28**
